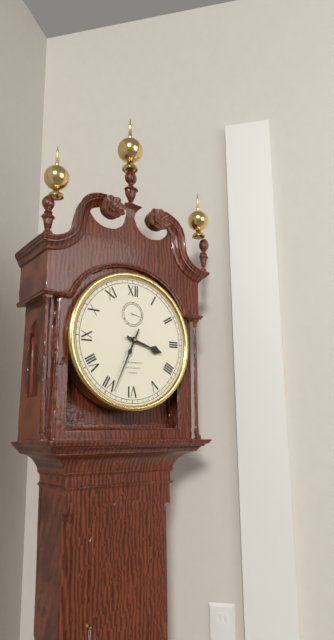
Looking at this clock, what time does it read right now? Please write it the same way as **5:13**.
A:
**3:34**
